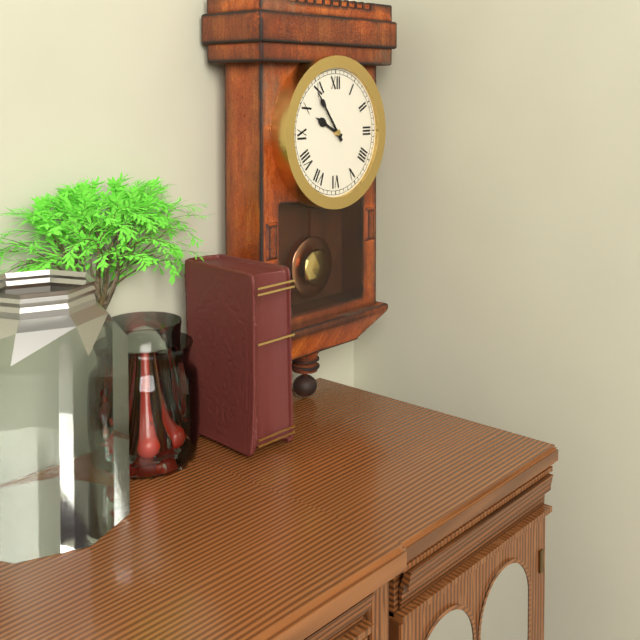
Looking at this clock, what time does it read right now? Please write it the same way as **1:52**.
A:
**9:54**
